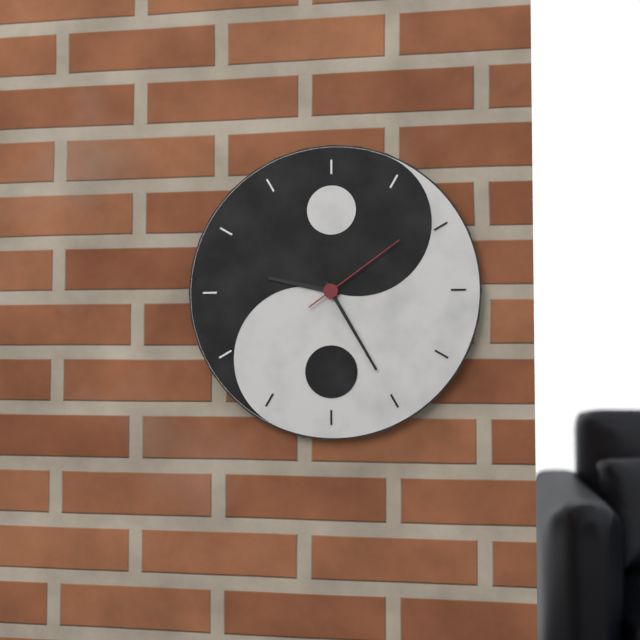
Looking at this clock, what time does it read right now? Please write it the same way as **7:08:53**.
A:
**9:25:09**
